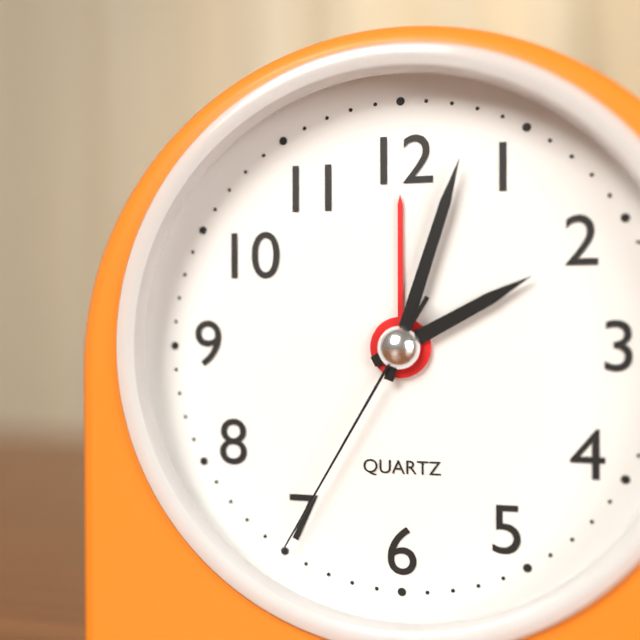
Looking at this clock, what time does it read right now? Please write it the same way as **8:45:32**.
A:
**2:03:35**
